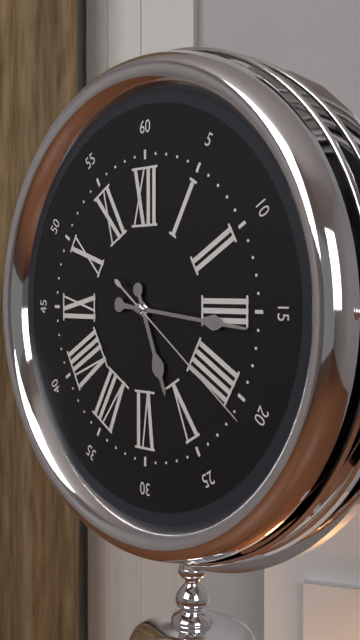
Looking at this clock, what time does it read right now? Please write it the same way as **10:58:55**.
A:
**5:16:21**
